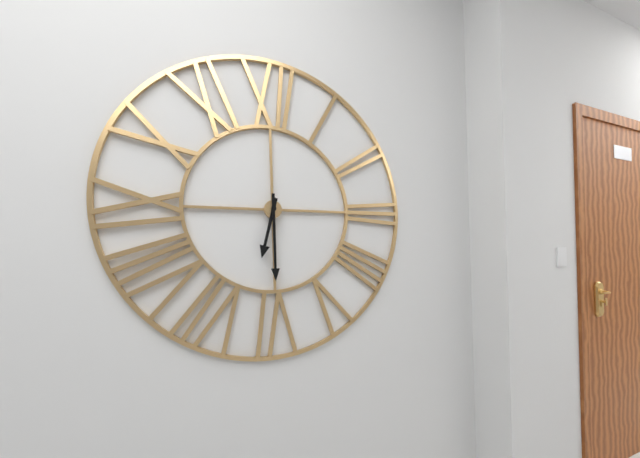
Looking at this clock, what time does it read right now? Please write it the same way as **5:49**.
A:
**6:30**
